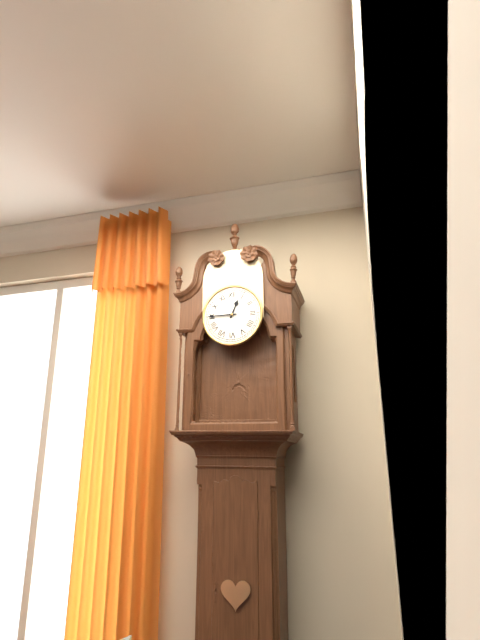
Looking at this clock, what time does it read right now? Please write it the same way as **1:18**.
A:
**12:45**
